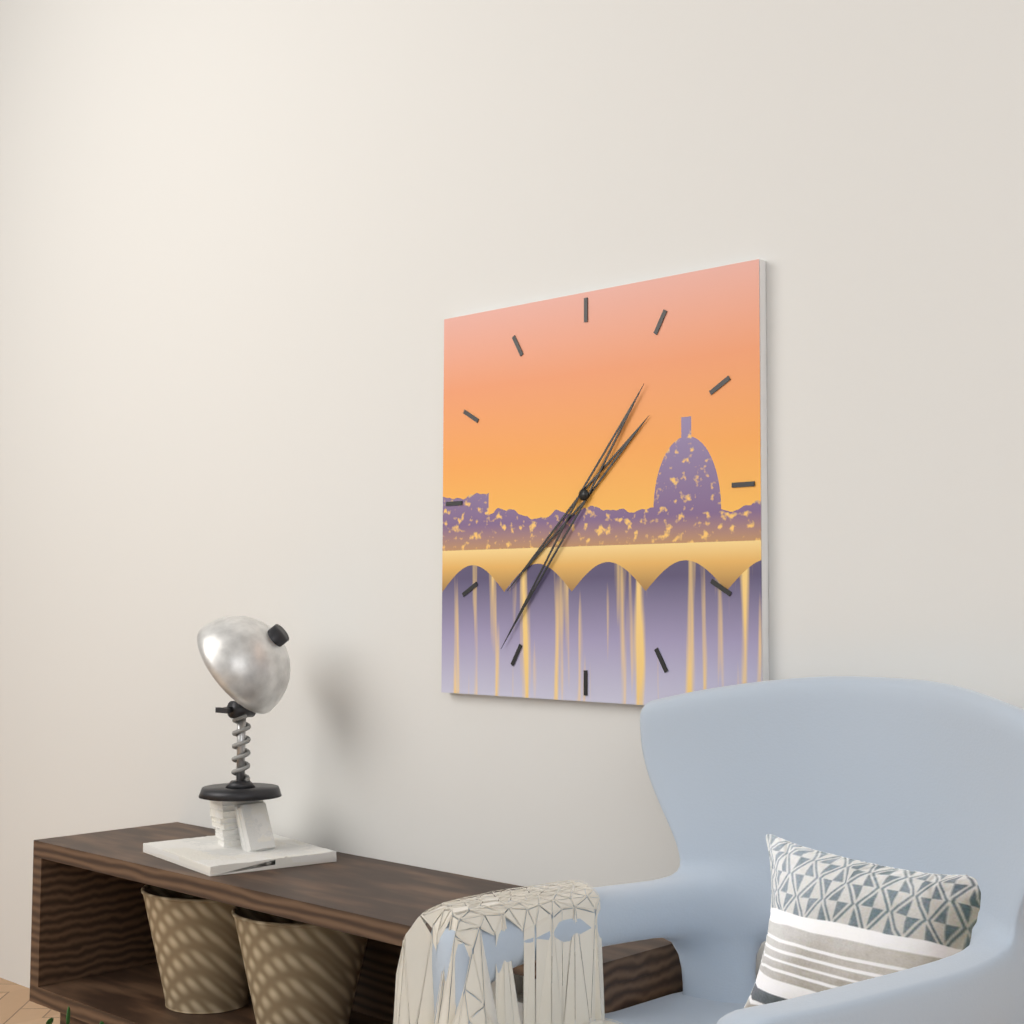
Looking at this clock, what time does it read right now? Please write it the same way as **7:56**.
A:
**7:36**
